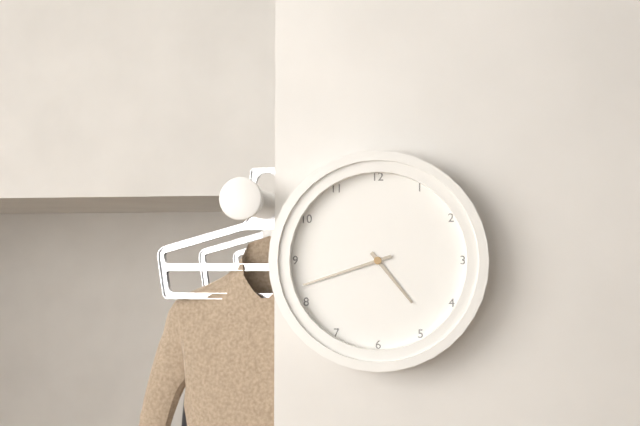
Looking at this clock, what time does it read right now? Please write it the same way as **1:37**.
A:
**4:42**
